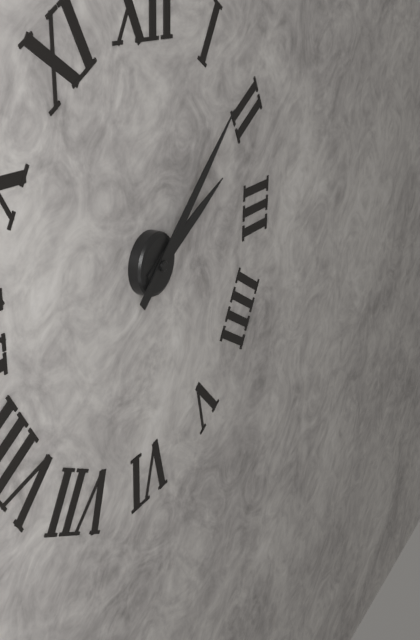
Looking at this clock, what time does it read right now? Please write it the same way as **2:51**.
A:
**2:08**
